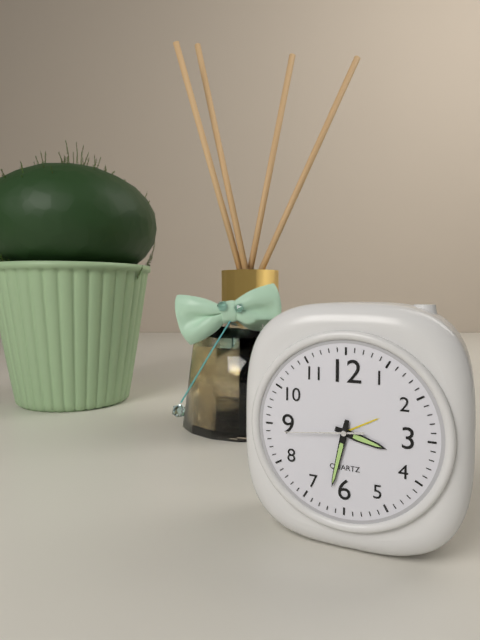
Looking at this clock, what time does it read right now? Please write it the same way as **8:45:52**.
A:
**3:32:44**
